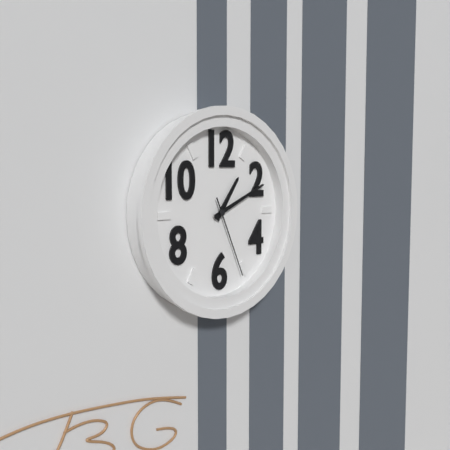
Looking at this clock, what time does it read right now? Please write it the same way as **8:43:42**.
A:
**1:11:26**
